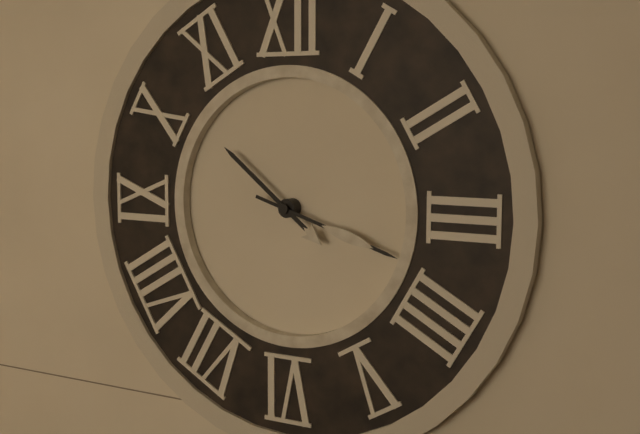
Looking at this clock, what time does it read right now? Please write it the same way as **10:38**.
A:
**10:18**
